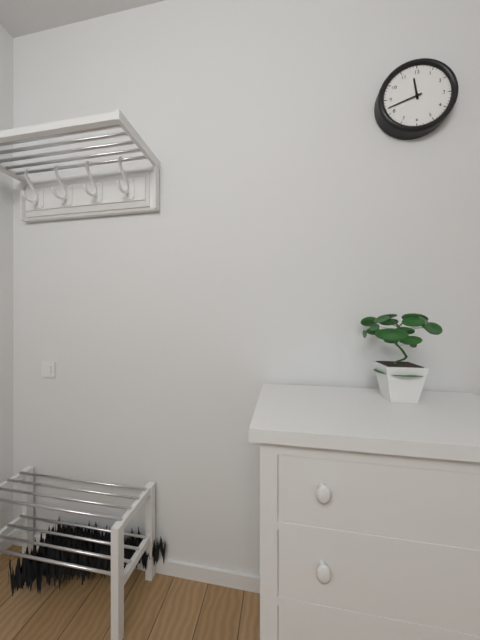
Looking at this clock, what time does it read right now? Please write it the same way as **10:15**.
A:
**11:42**
